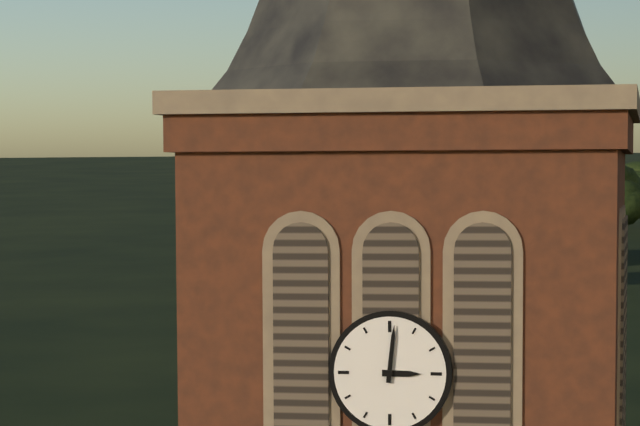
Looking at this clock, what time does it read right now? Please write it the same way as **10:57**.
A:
**3:01**
